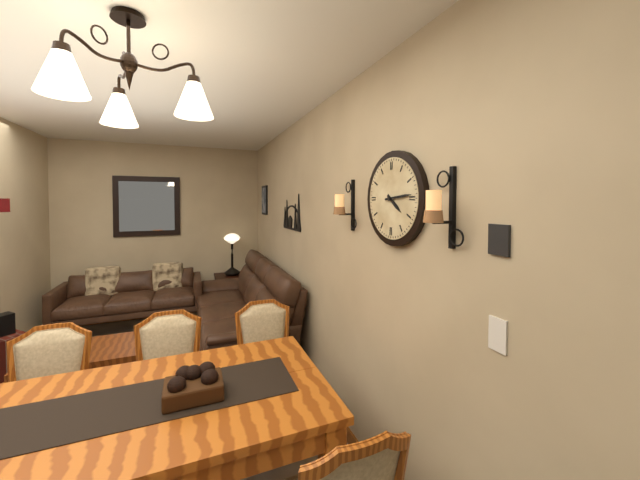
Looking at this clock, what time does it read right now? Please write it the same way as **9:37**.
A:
**4:14**
